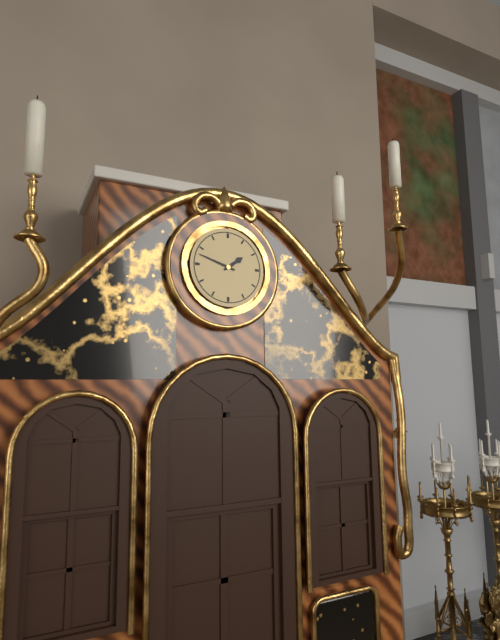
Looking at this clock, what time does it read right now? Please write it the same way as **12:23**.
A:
**1:48**
